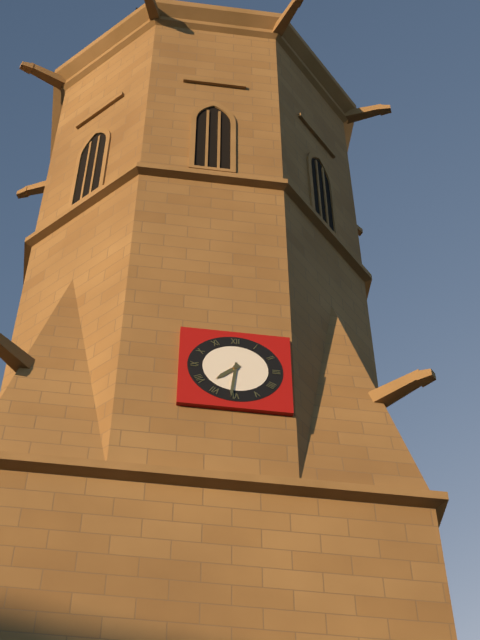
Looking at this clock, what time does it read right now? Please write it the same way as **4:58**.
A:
**7:31**
